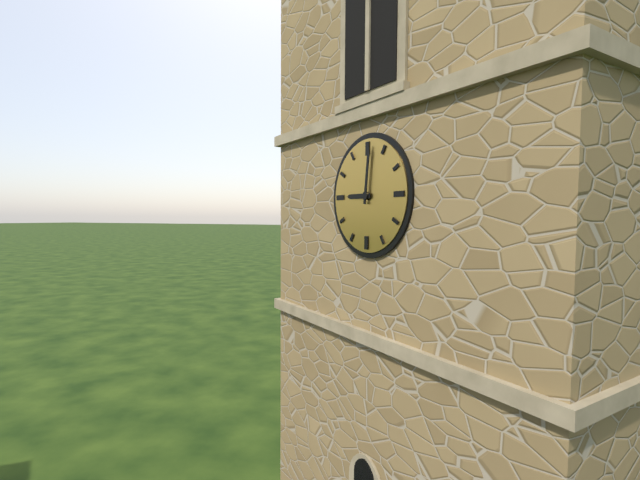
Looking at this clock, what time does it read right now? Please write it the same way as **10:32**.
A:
**9:01**
